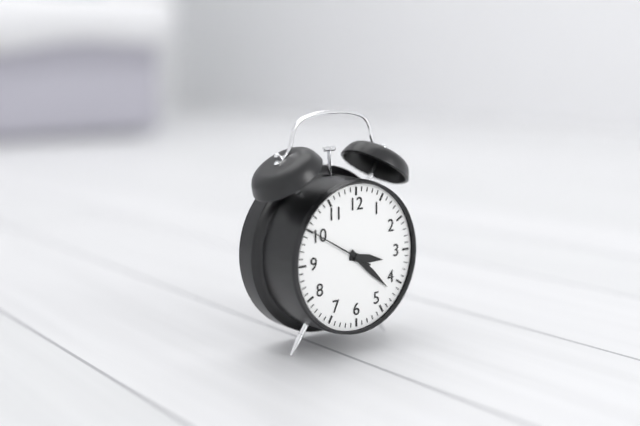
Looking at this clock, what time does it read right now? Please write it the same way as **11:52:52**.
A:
**3:22:50**
